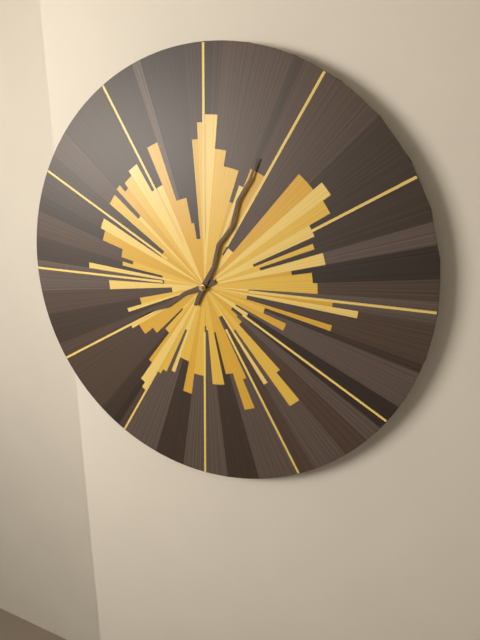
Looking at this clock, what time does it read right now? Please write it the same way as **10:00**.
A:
**8:04**
